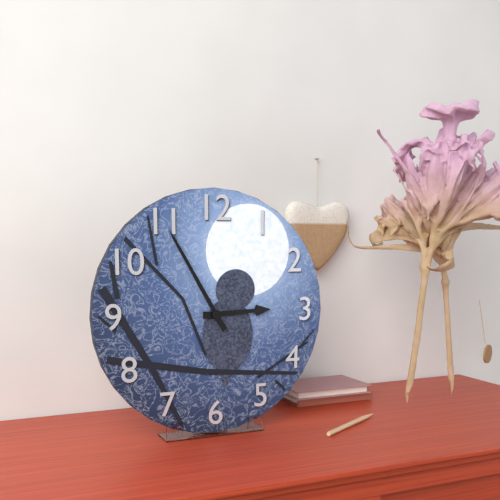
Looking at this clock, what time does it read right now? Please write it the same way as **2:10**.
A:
**2:55**
